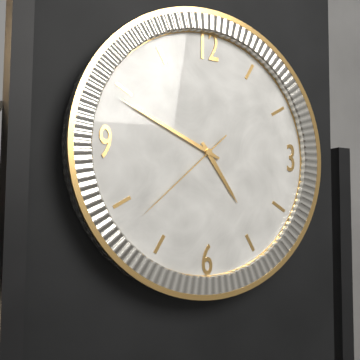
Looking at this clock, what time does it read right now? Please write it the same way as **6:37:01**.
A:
**4:49:38**
